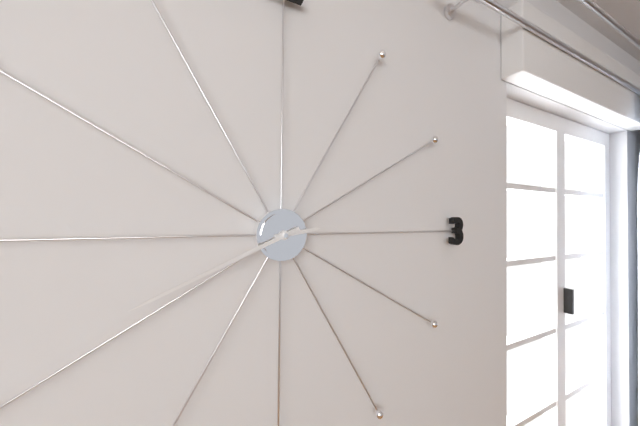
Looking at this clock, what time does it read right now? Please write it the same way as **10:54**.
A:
**2:41**
